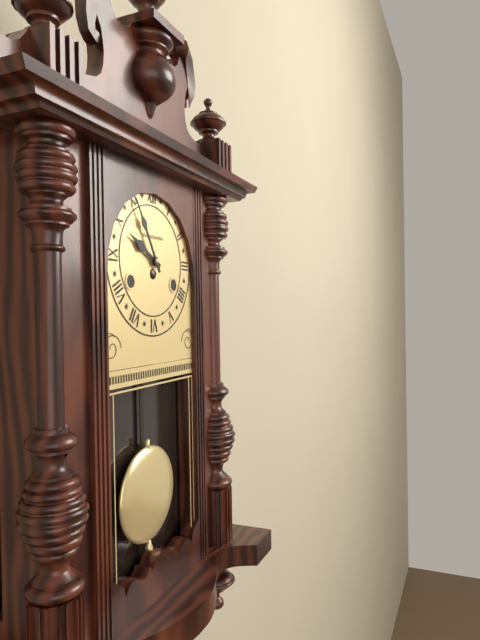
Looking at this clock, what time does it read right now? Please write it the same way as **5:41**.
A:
**9:55**
